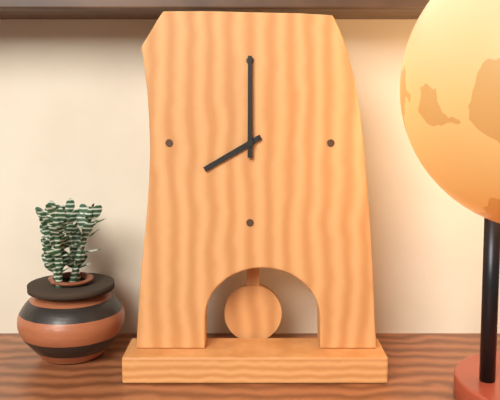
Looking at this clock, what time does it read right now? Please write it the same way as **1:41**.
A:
**8:00**
